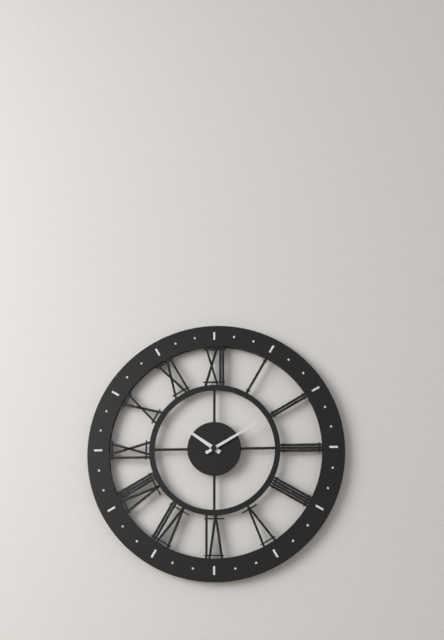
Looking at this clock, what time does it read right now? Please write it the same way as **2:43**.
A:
**10:10**
